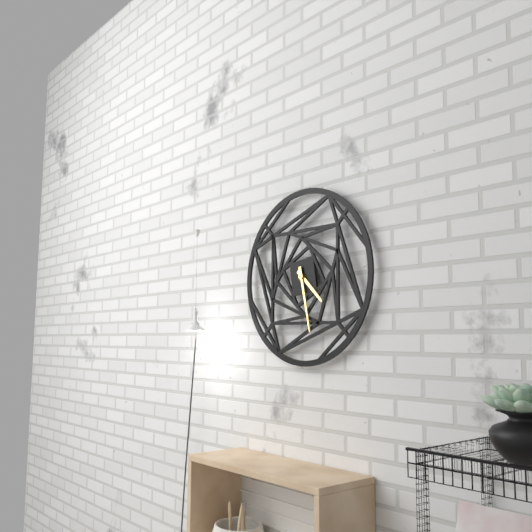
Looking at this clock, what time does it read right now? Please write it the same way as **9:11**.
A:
**4:28**
